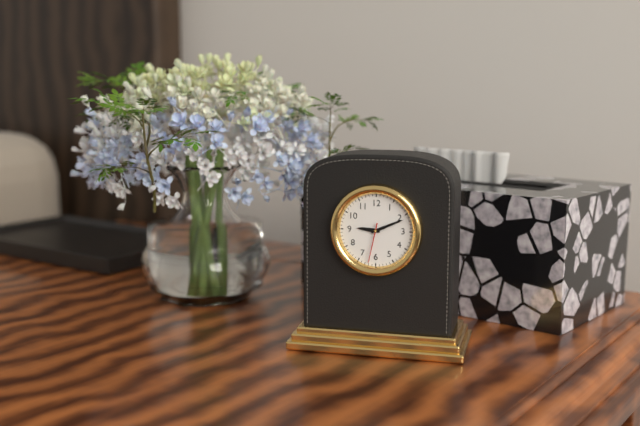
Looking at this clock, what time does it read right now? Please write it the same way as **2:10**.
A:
**9:11**
